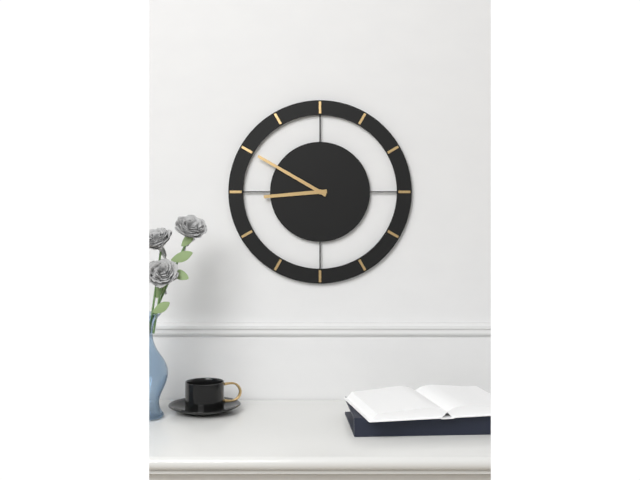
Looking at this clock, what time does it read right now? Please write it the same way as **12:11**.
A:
**8:50**
